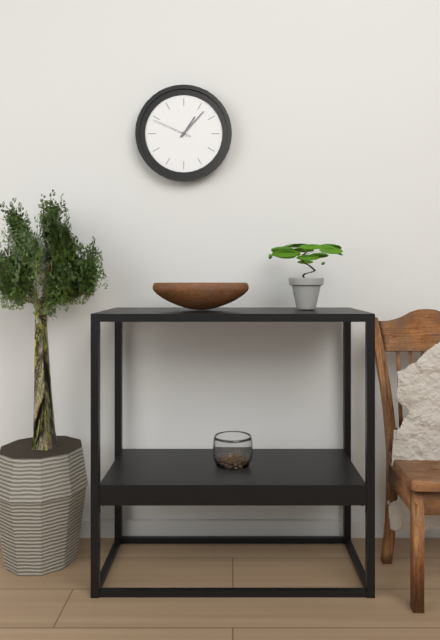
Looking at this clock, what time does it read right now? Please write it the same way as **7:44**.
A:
**1:07**
